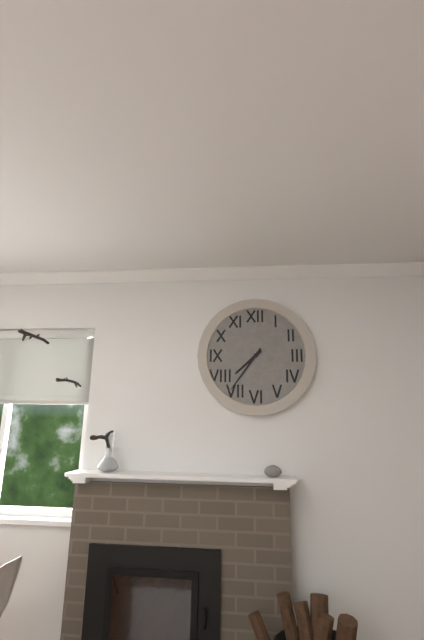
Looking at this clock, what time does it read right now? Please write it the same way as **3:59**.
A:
**7:36**
